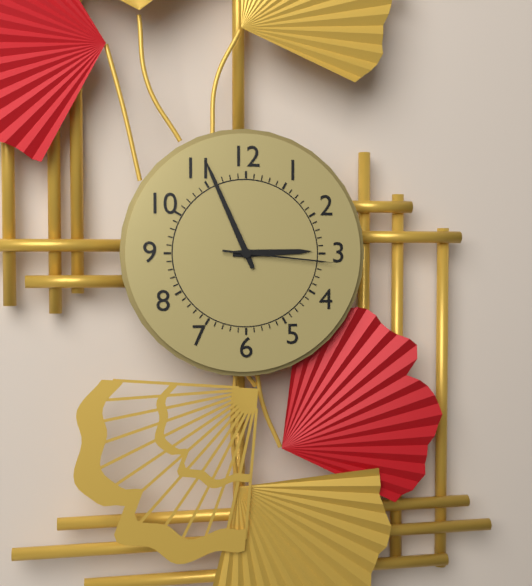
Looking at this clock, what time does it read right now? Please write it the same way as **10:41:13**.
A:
**2:56:16**
